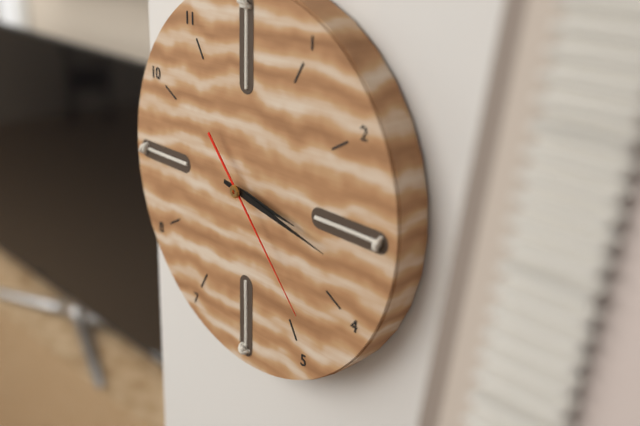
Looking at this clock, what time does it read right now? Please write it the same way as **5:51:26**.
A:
**3:17:23**
